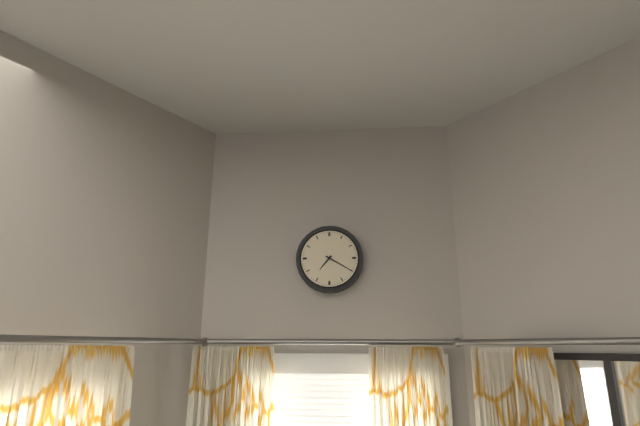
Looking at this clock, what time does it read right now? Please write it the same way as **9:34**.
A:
**7:20**
